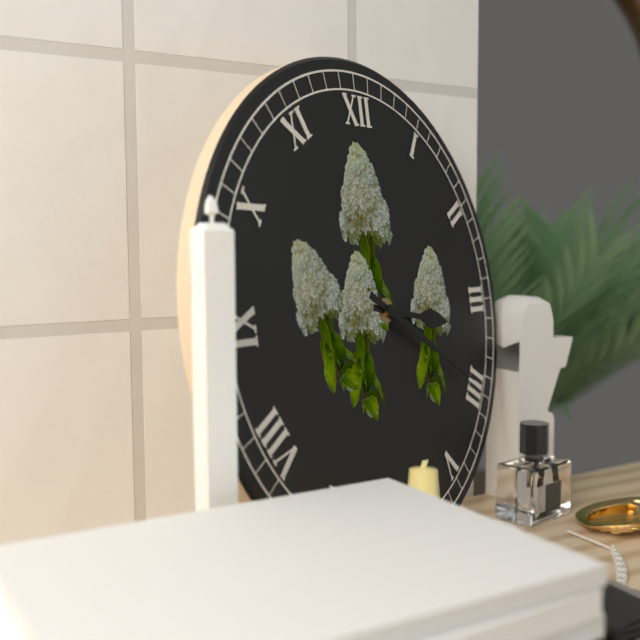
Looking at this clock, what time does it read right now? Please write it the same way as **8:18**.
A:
**3:20**
